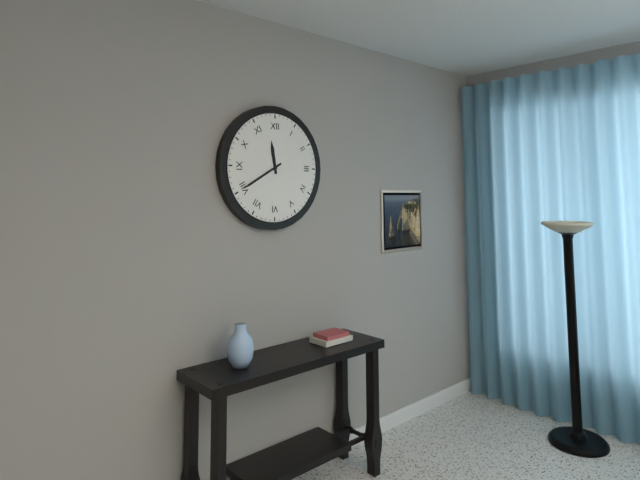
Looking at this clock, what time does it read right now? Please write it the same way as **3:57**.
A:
**11:40**
